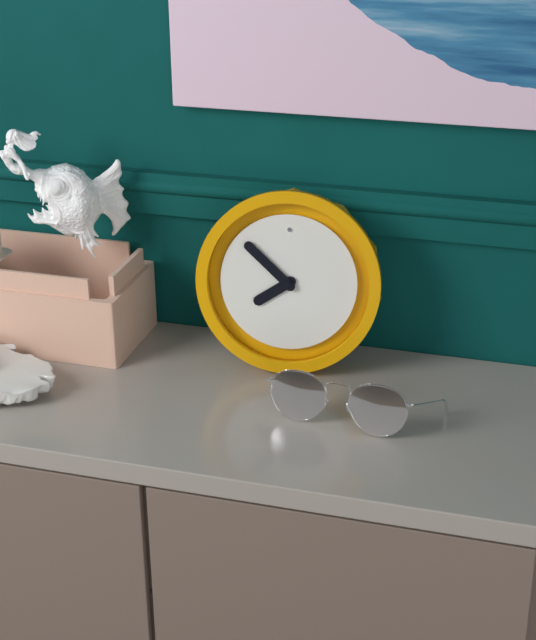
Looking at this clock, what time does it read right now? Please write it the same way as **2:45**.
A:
**7:52**
